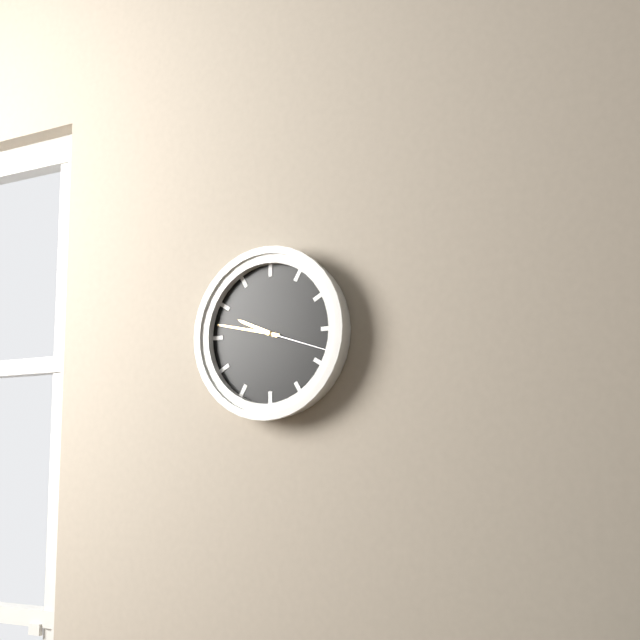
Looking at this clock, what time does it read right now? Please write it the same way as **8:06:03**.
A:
**9:47:18**
